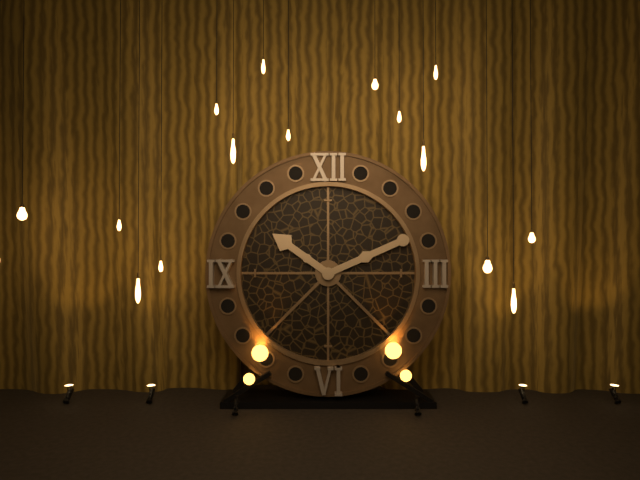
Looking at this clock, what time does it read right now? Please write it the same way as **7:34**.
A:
**10:11**
